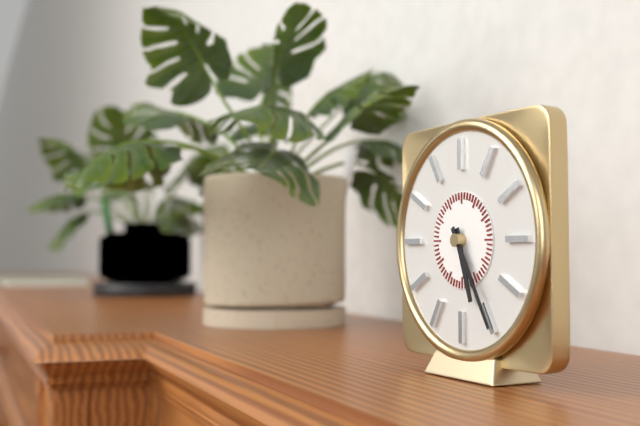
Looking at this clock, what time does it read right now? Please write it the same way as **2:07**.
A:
**5:25**
